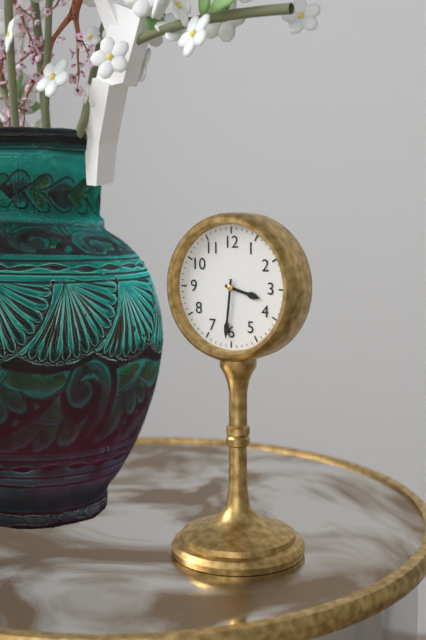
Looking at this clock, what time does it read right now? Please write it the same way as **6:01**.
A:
**3:31**
